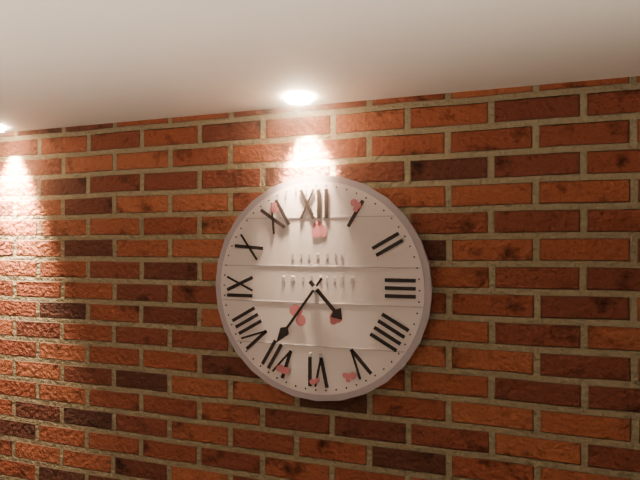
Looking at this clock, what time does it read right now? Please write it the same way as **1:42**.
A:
**4:36**
